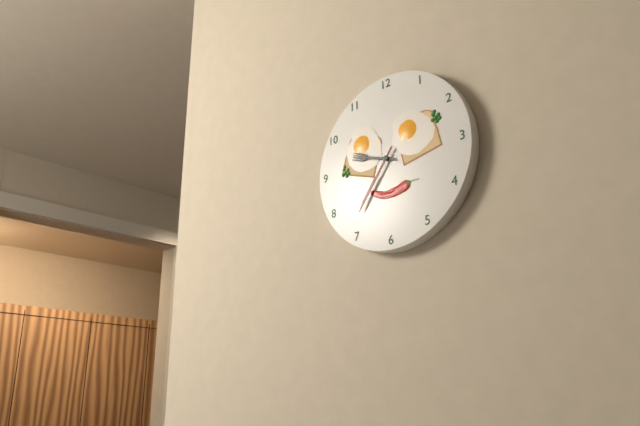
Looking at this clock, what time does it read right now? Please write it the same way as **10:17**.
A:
**9:36**
